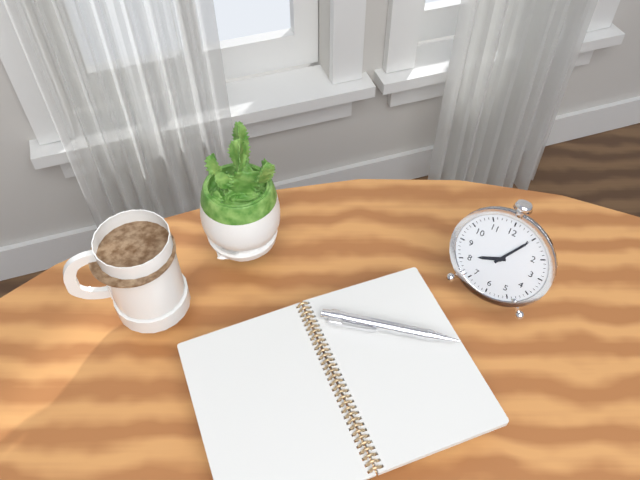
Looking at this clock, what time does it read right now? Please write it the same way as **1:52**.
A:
**8:05**
